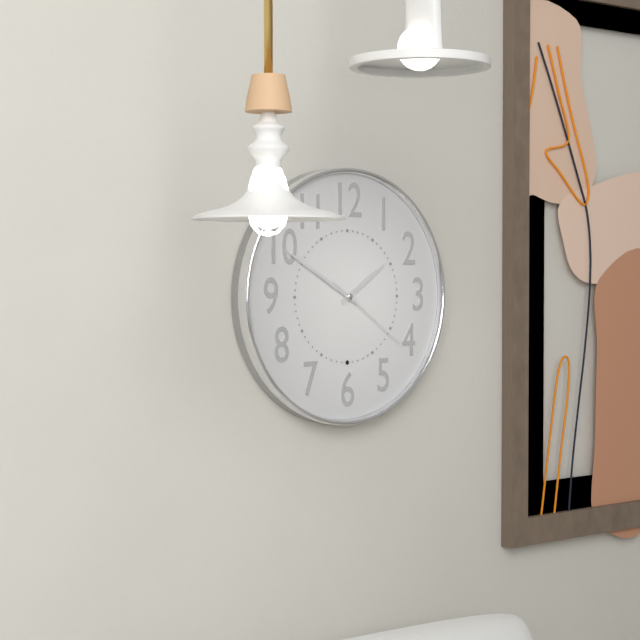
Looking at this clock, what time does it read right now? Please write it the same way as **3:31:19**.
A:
**1:50:21**
